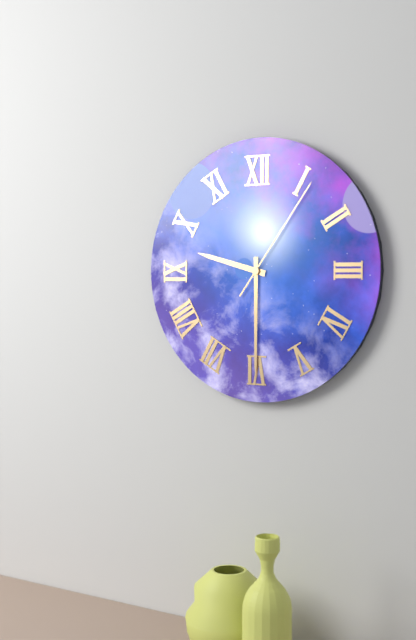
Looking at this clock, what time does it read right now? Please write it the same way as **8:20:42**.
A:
**9:30:06**
